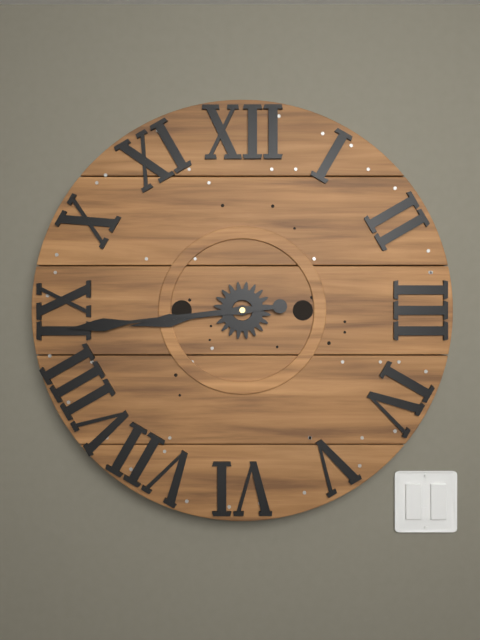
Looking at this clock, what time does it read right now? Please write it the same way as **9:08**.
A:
**8:44**
